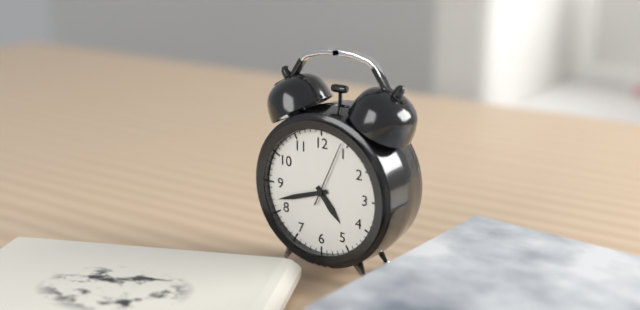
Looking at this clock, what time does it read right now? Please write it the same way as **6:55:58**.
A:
**4:42:04**
